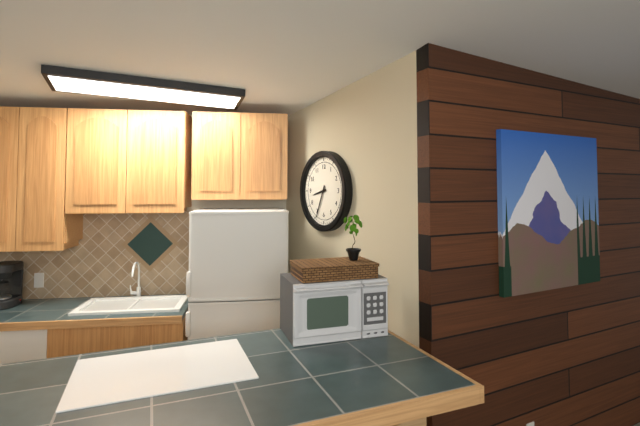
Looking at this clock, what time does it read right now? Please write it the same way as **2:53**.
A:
**8:34**
